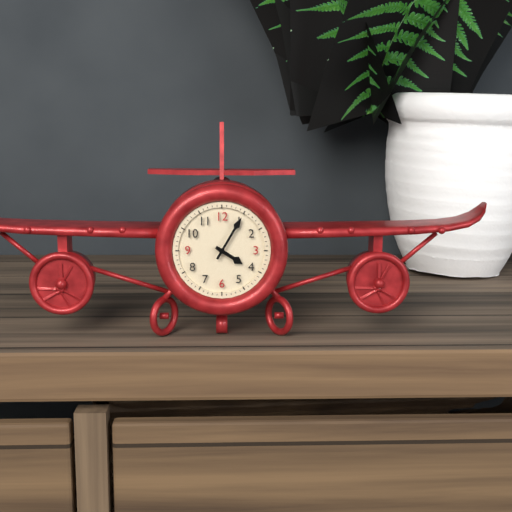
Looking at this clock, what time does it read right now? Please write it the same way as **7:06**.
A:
**4:05**
